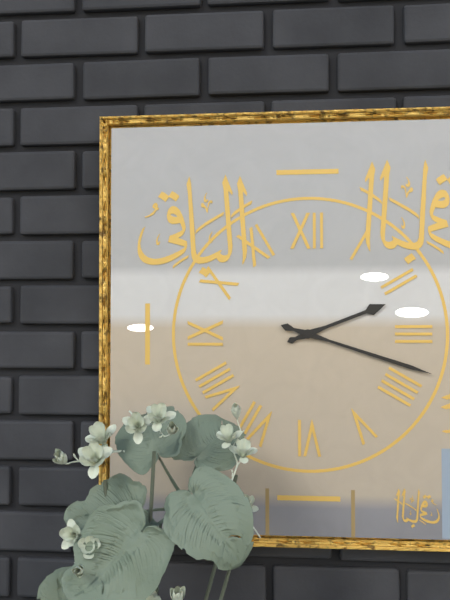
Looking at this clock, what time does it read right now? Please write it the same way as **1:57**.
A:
**2:18**
